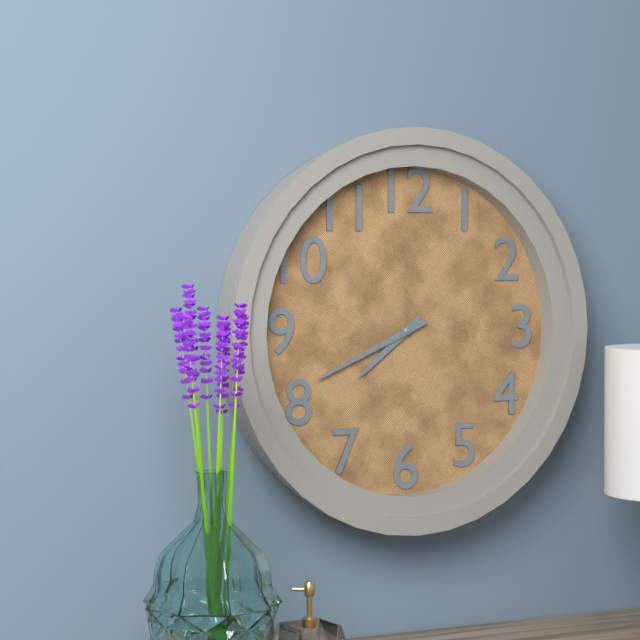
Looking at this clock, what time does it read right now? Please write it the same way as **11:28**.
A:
**7:41**
